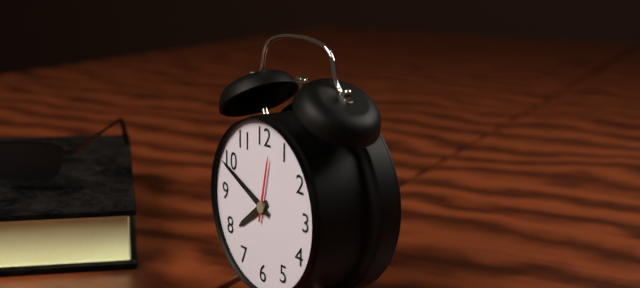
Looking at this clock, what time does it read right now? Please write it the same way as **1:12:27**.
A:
**7:49:02**
